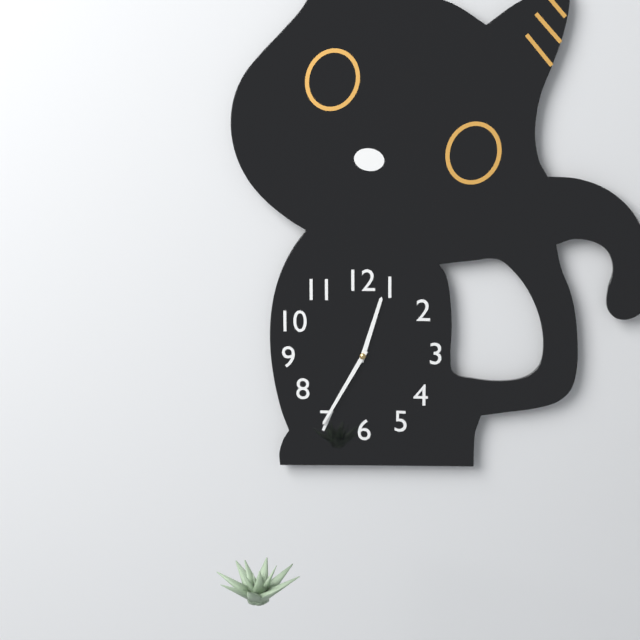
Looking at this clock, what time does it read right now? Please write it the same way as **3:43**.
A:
**12:35**
